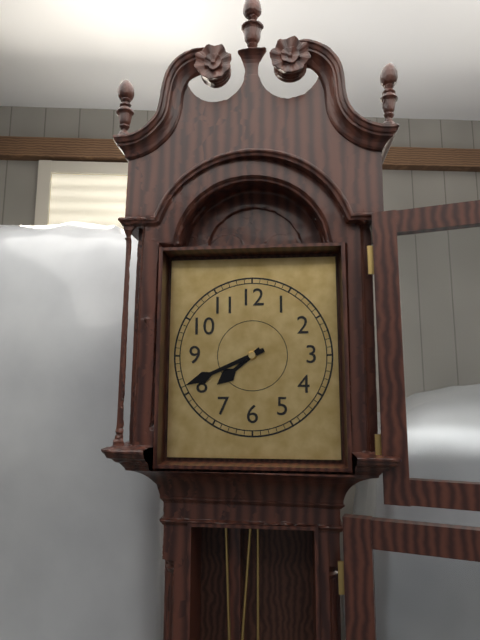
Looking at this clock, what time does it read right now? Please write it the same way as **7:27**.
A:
**7:41**
